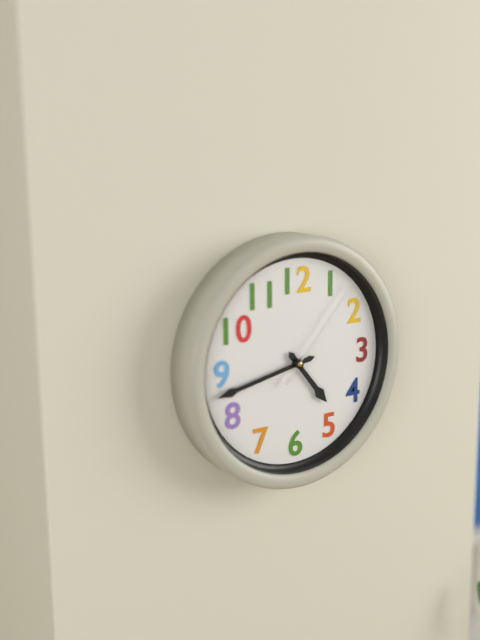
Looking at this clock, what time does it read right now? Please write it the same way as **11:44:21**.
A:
**4:43:07**
